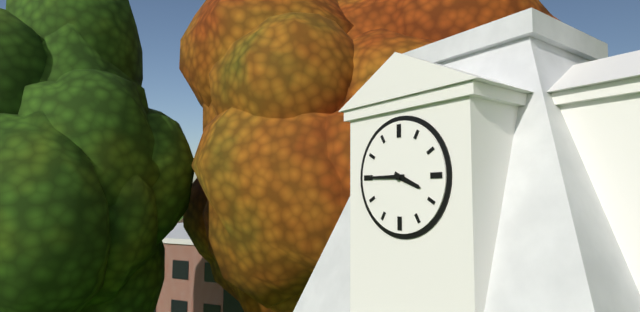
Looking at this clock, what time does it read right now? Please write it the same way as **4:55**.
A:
**3:45**
